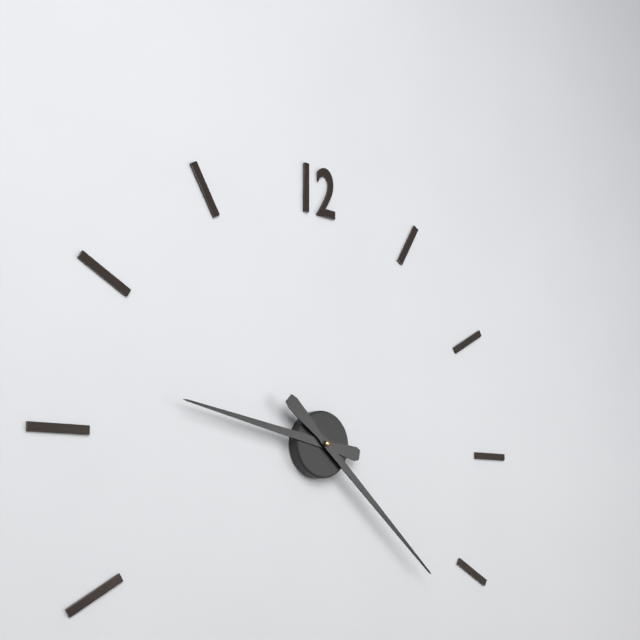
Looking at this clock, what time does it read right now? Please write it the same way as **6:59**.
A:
**9:22**
